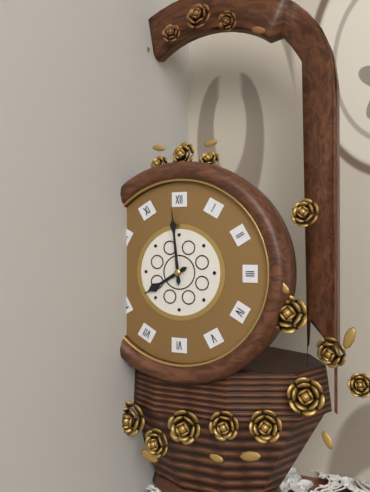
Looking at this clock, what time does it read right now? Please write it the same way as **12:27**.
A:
**7:59**
